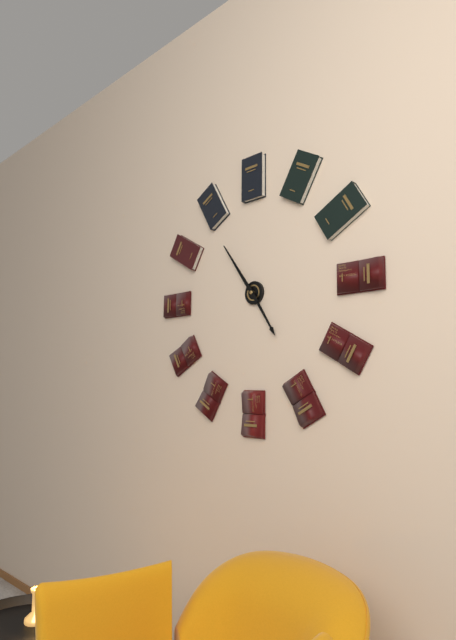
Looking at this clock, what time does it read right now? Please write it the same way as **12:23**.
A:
**4:54**
